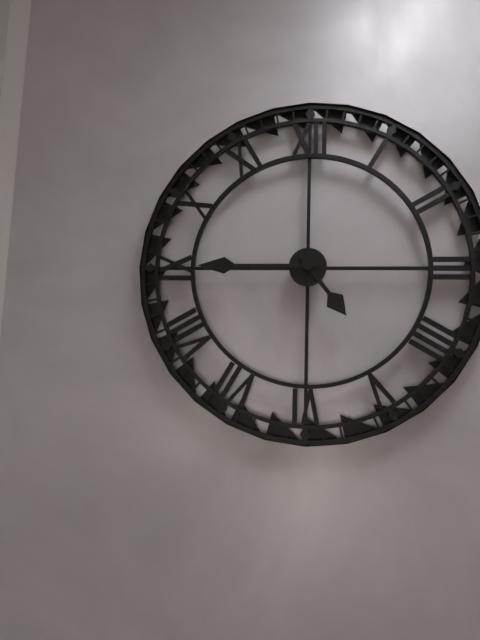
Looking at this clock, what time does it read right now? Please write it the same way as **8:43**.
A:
**4:45**
